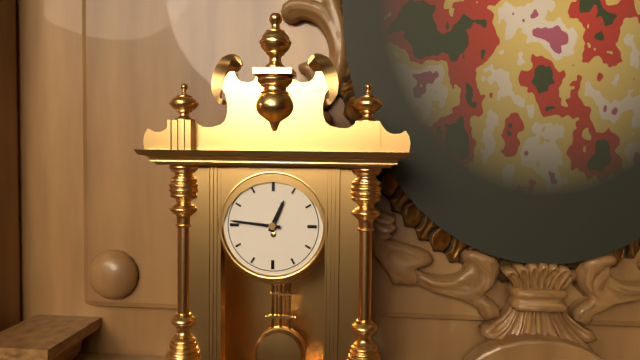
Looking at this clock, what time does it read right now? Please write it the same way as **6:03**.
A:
**12:46**
